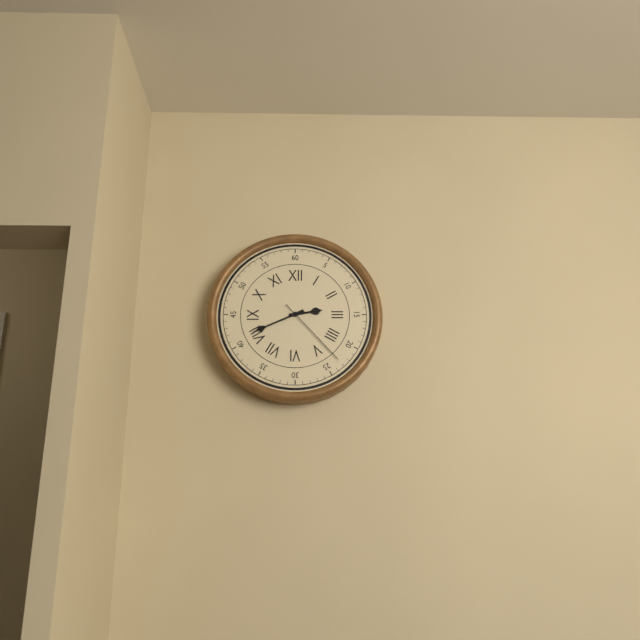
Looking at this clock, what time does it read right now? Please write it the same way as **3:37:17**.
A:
**2:41:23**
